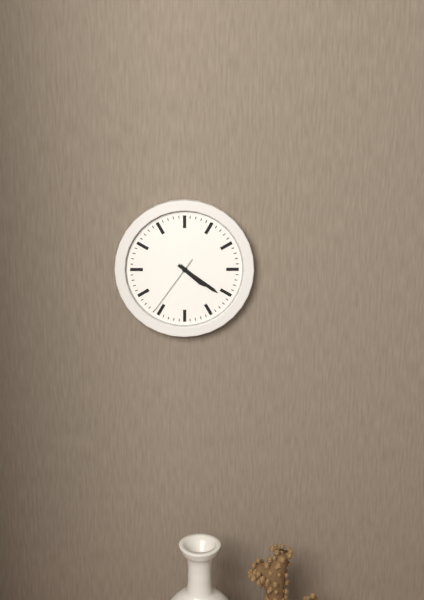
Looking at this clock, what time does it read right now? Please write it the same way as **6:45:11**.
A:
**4:21:36**
